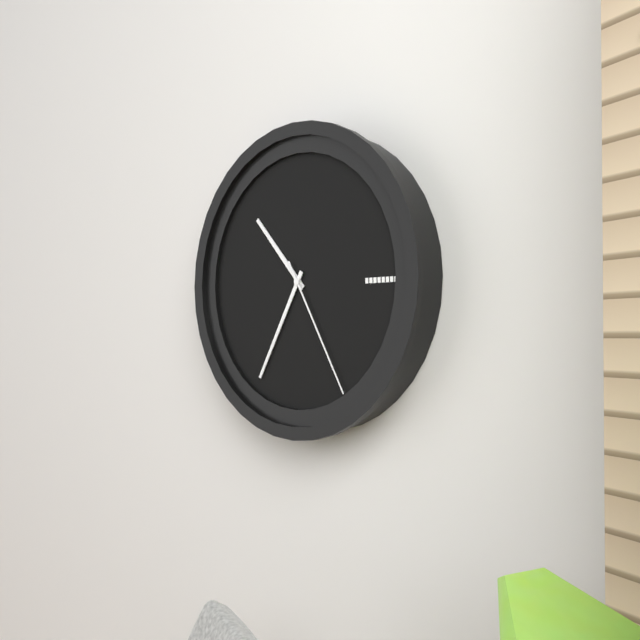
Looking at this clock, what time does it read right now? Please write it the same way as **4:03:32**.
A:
**10:35:25**
